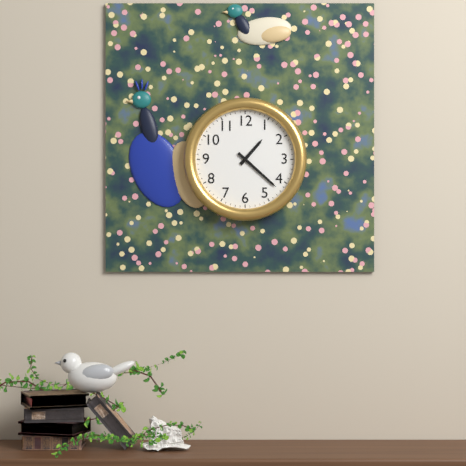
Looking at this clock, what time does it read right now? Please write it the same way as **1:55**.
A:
**1:22**
